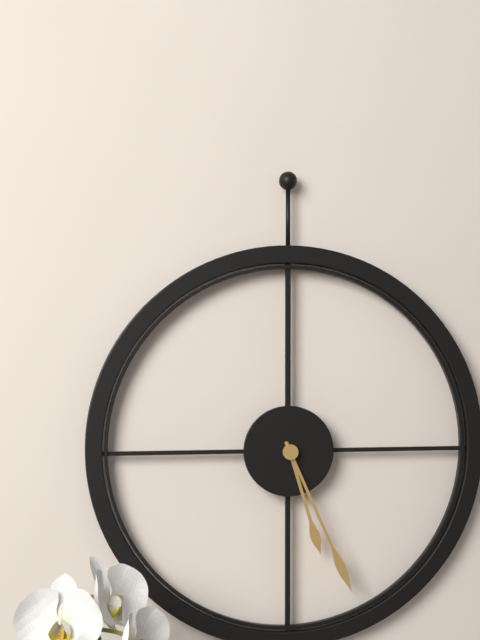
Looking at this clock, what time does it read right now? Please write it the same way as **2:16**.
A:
**5:26**
